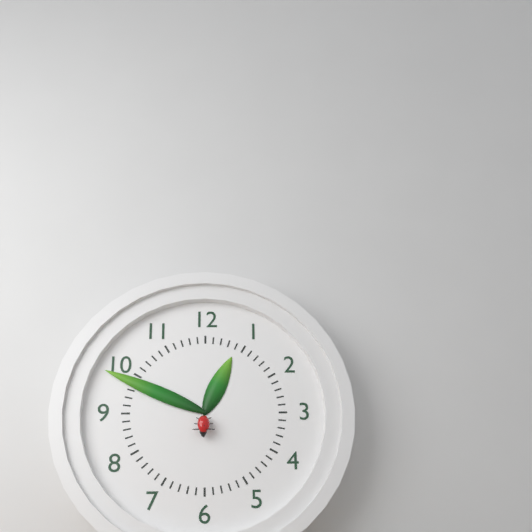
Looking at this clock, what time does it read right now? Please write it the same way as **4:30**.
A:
**12:49**
